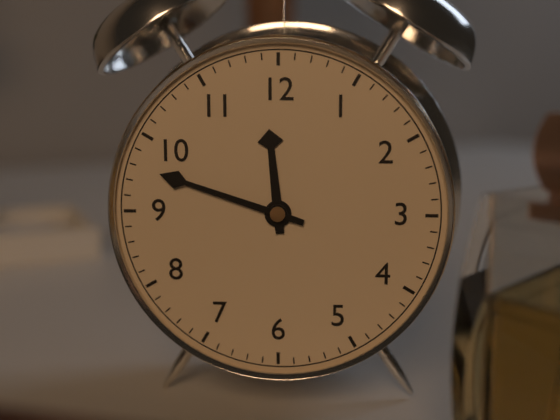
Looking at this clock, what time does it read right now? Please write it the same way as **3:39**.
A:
**11:48**
